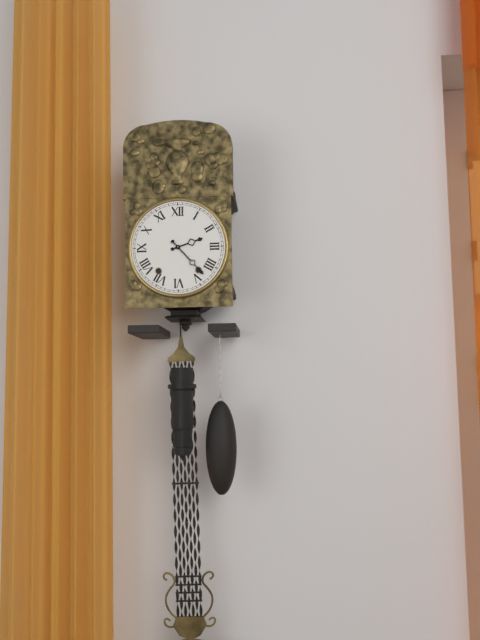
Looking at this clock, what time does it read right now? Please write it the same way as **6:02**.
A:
**2:23**
